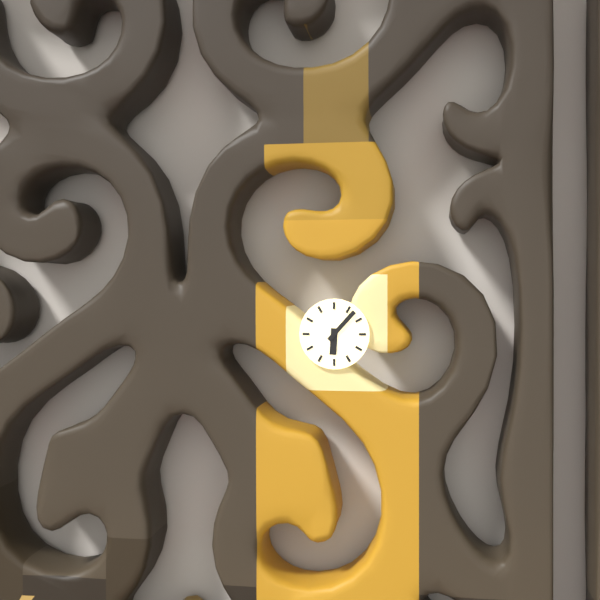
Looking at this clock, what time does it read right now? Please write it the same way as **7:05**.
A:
**6:07**
